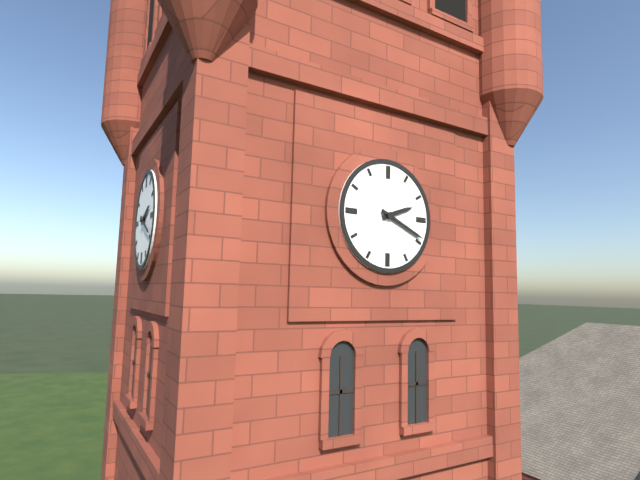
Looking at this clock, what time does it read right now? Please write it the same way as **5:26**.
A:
**2:19**
